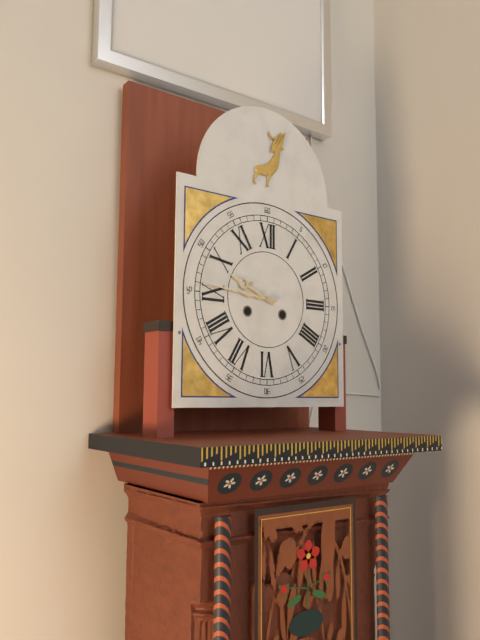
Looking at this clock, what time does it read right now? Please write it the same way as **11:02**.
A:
**9:46**
